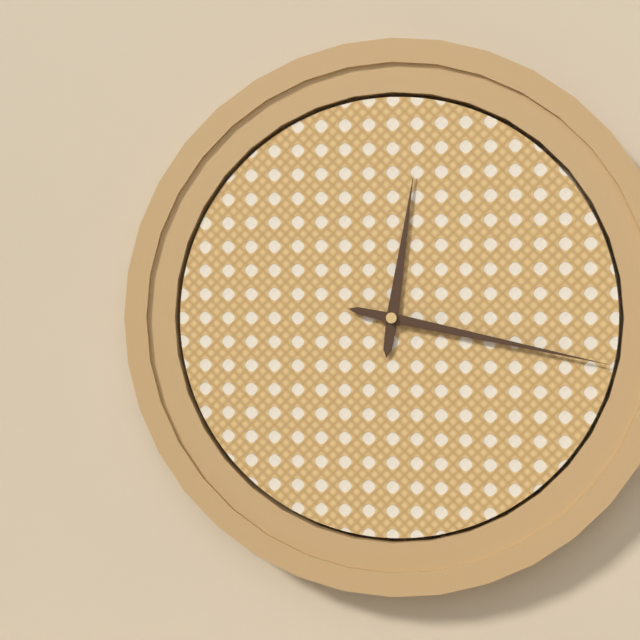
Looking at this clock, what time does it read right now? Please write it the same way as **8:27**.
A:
**12:17**
